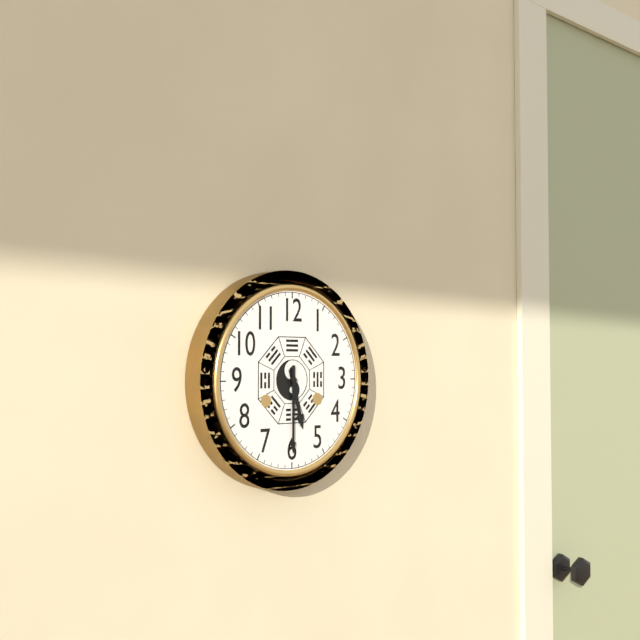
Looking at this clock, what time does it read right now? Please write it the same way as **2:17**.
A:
**5:30**
